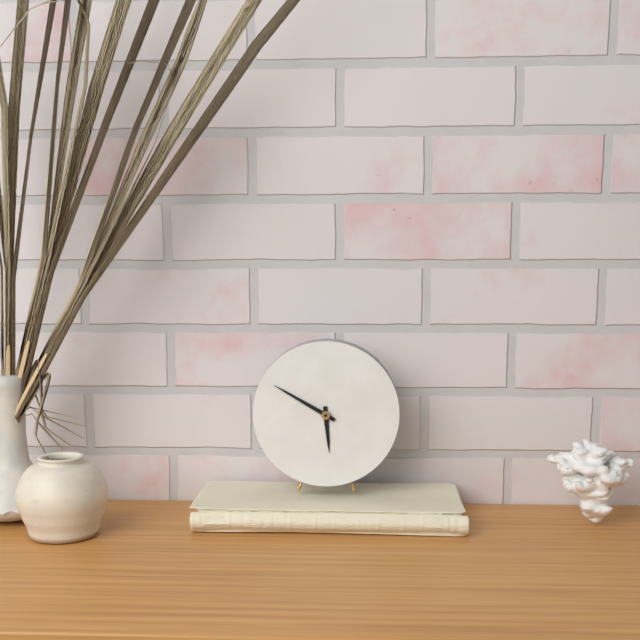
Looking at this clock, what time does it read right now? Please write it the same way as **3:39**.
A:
**5:50**
